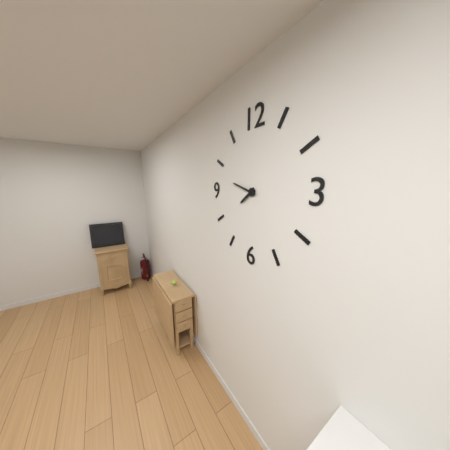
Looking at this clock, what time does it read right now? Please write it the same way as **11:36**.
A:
**7:48**
